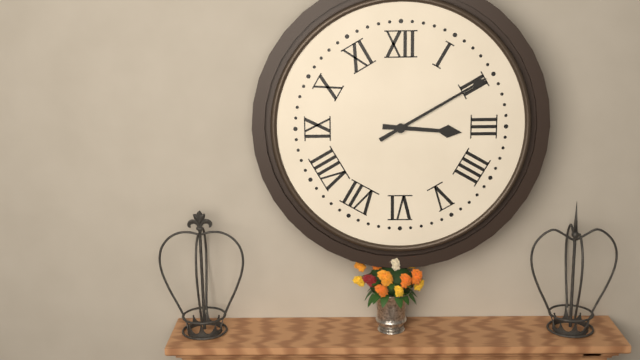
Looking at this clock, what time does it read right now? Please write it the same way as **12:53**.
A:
**3:10**
